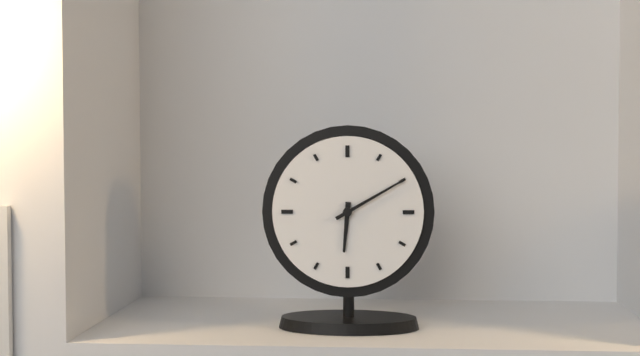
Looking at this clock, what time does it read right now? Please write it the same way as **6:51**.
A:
**6:10**
